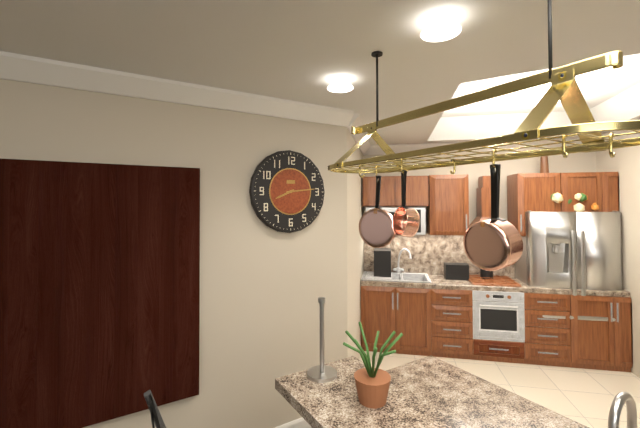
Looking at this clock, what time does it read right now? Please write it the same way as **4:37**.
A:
**8:14**
